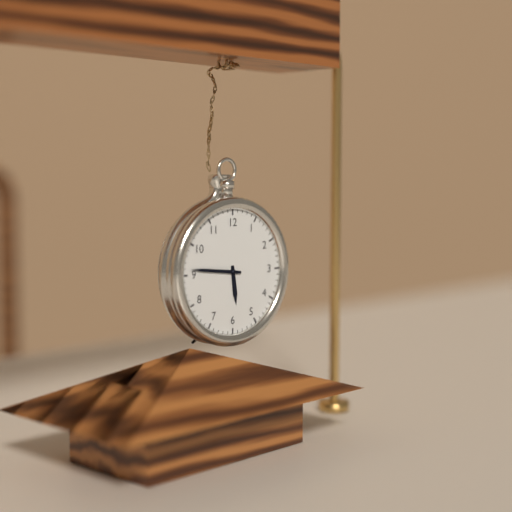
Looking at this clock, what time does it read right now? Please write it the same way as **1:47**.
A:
**5:46**
